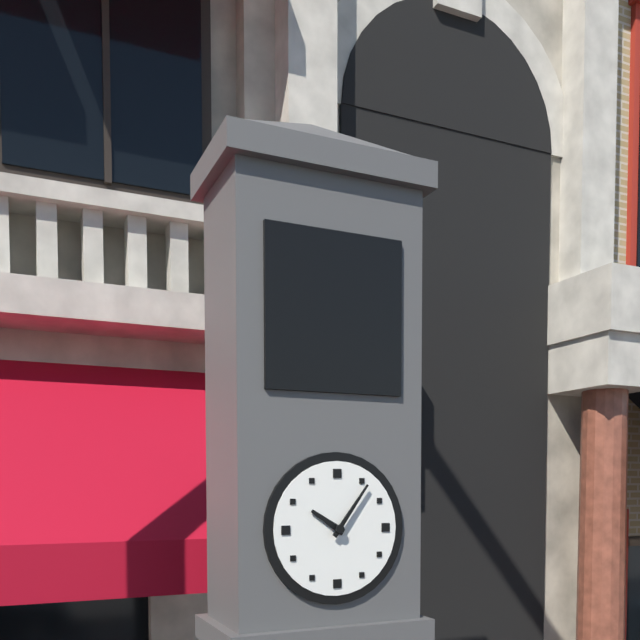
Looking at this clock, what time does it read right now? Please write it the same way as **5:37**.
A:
**10:06**
